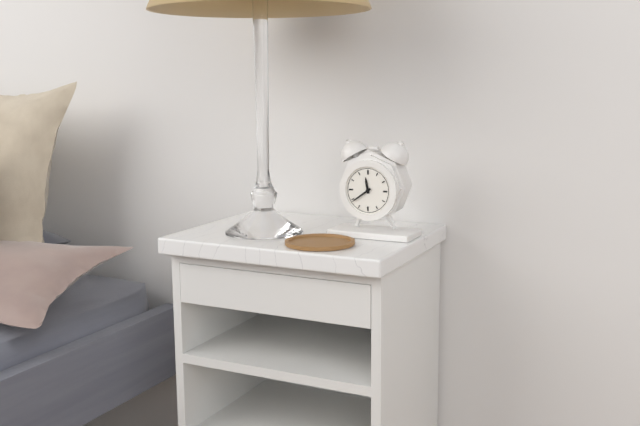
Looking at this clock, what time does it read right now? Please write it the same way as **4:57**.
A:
**11:39**
